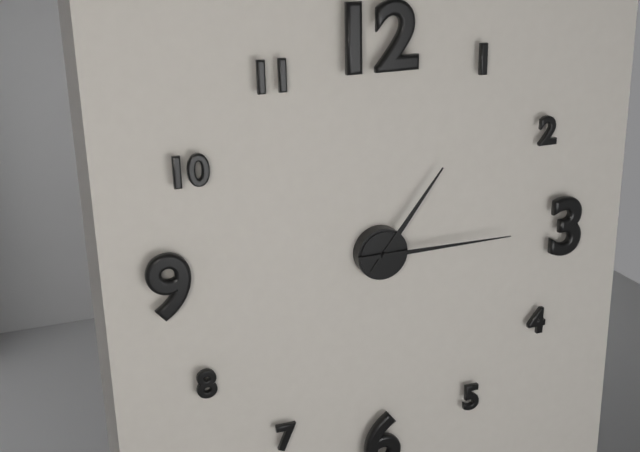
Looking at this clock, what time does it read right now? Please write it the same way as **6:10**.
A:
**1:15**
